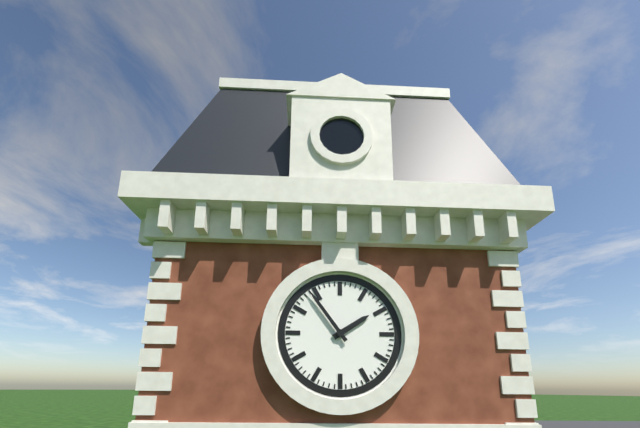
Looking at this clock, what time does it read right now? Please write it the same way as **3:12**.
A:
**1:54**
